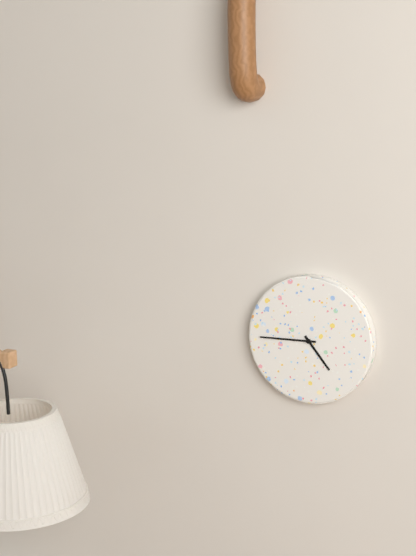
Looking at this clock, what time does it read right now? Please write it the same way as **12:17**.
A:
**4:45**
